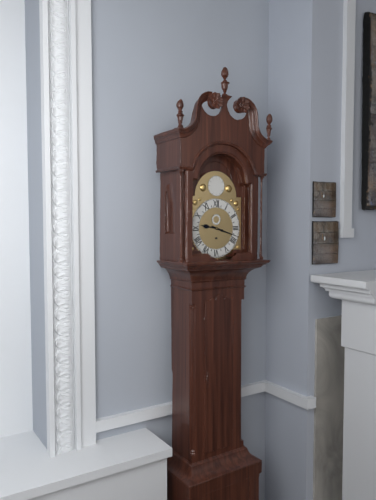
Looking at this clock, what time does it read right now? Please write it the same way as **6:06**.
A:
**9:18**
